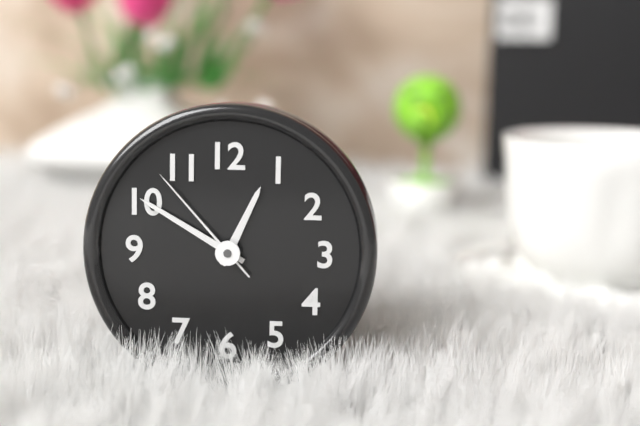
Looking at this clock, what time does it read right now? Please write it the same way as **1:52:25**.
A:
**12:50:53**
